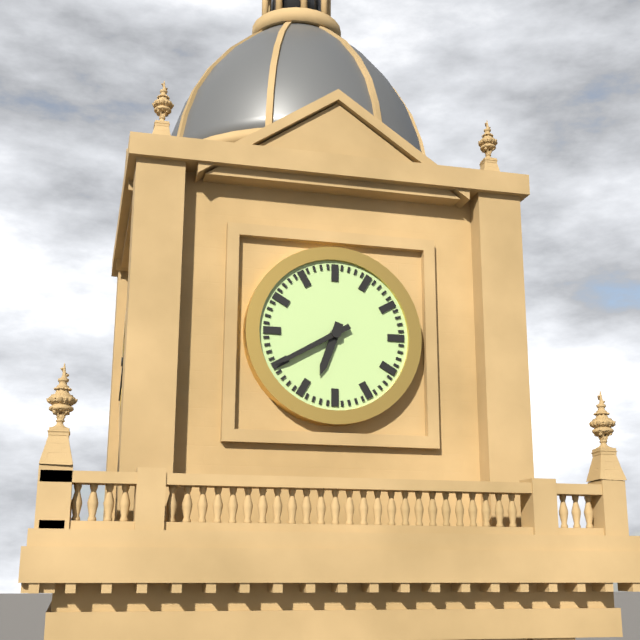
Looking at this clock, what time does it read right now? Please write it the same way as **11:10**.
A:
**6:40**
